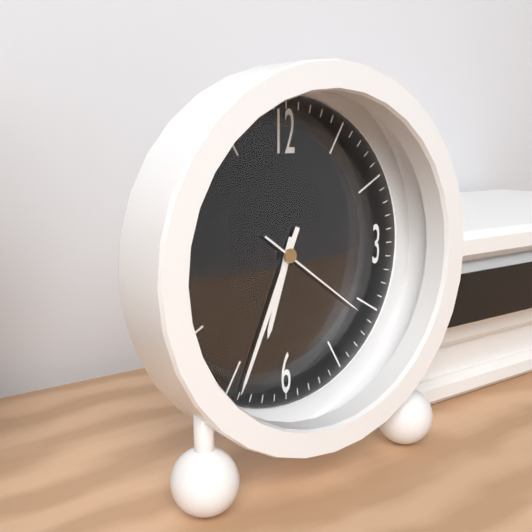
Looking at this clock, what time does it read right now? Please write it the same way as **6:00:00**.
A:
**6:34:21**
